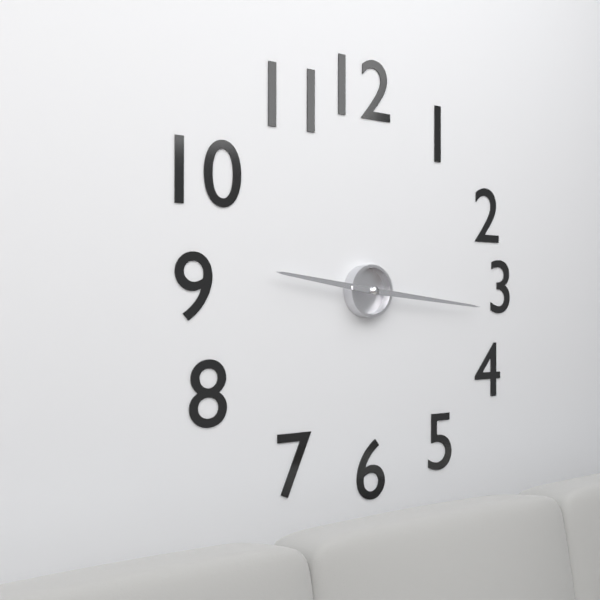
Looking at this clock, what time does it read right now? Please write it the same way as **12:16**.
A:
**9:16**
